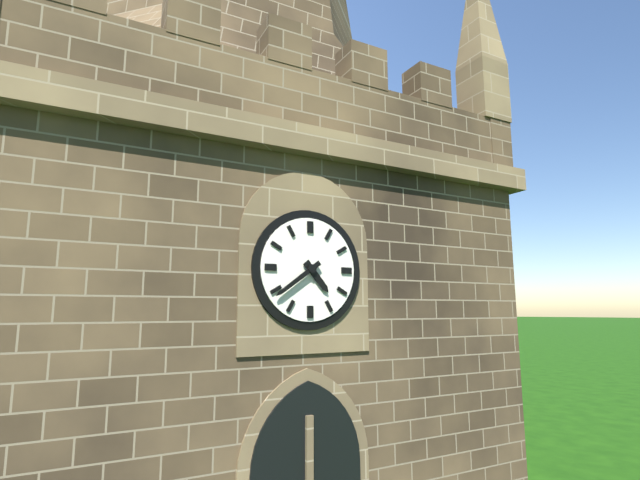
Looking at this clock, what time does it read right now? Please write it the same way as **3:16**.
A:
**4:39**
